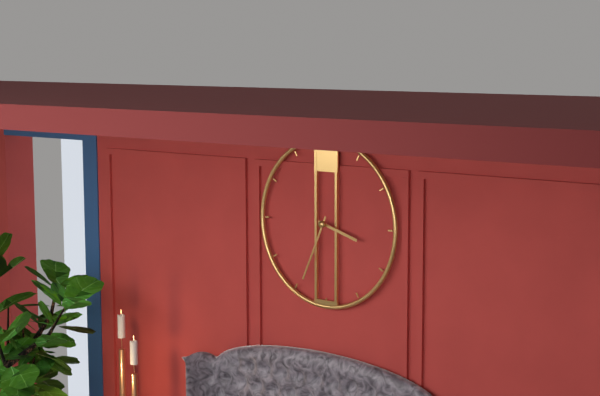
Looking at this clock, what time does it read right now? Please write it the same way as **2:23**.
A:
**3:34**
